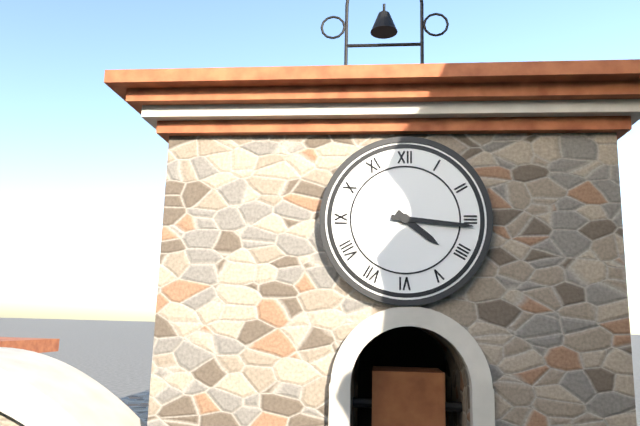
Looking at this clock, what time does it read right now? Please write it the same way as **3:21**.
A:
**4:16**
